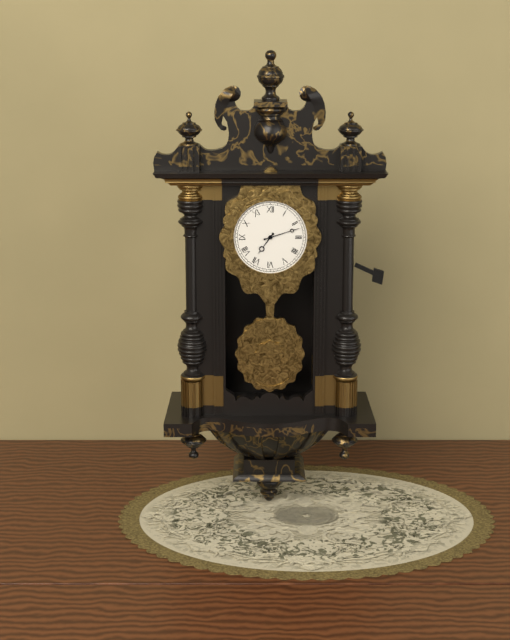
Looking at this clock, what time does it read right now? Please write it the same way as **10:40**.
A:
**7:12**
